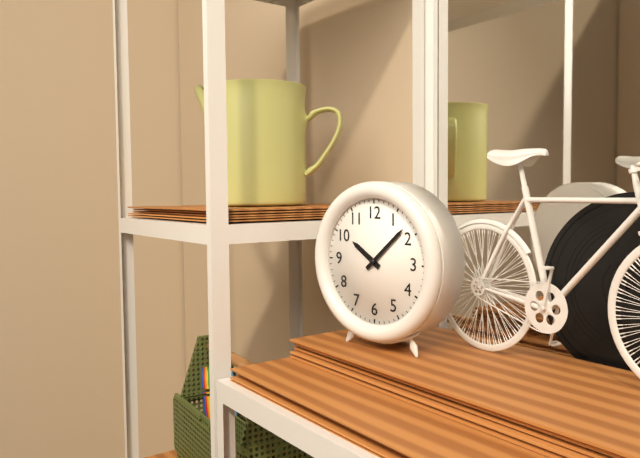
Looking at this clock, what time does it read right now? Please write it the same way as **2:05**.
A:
**10:08**
